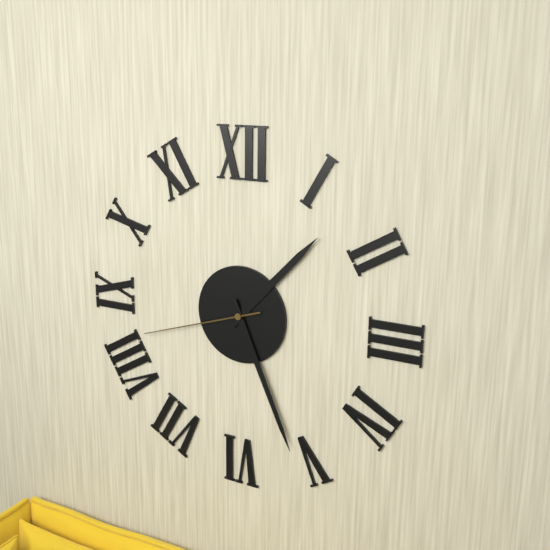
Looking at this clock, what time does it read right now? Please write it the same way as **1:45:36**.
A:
**1:26:42**
